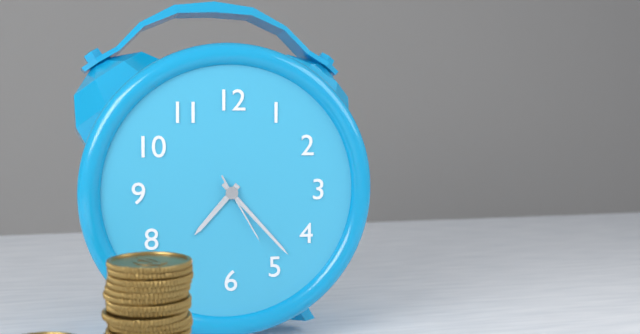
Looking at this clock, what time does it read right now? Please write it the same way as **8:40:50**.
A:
**7:23:25**
